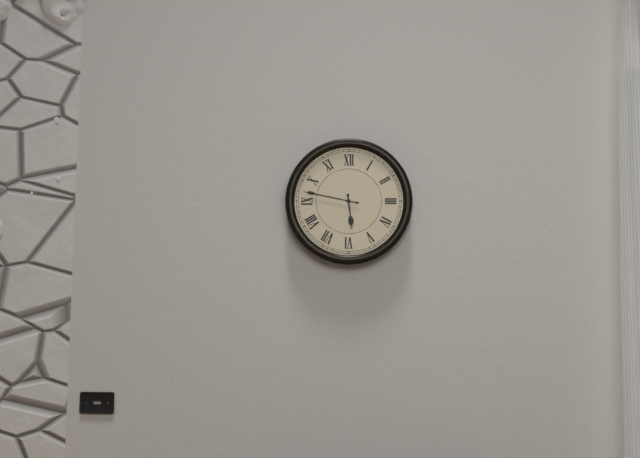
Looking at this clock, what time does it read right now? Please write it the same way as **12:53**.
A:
**5:47**
